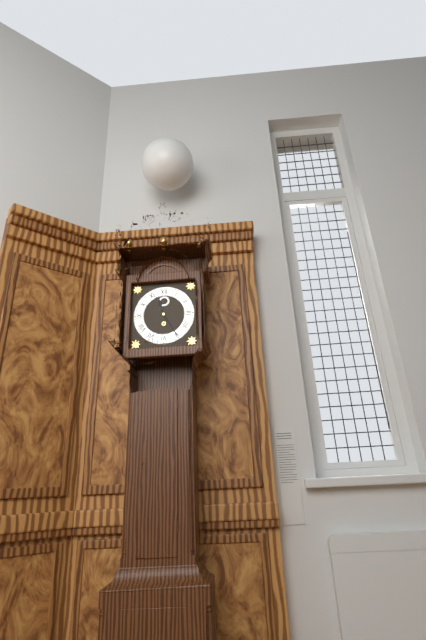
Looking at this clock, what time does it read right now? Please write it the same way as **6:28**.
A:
**11:25**
